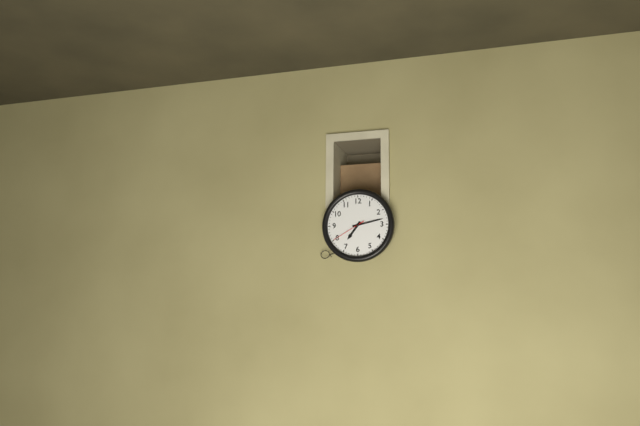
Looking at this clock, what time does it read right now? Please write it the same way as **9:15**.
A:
**7:13**
